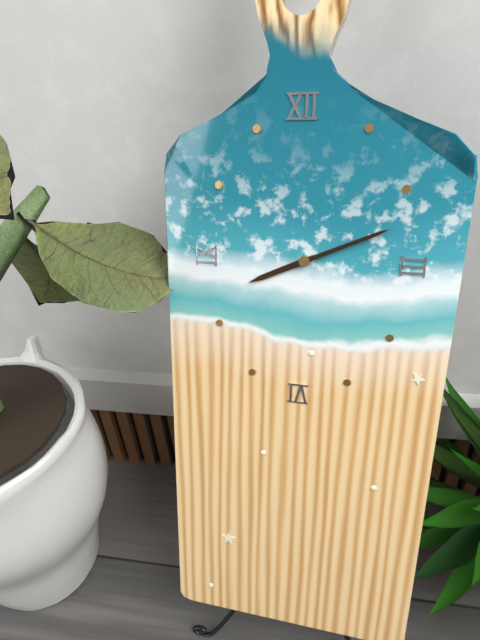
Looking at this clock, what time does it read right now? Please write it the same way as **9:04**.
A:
**8:11**
